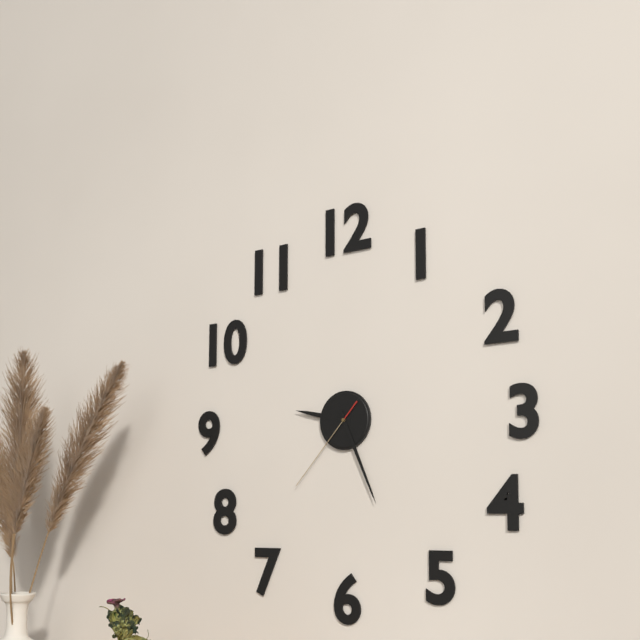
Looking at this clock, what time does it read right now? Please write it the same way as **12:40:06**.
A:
**9:26:37**
